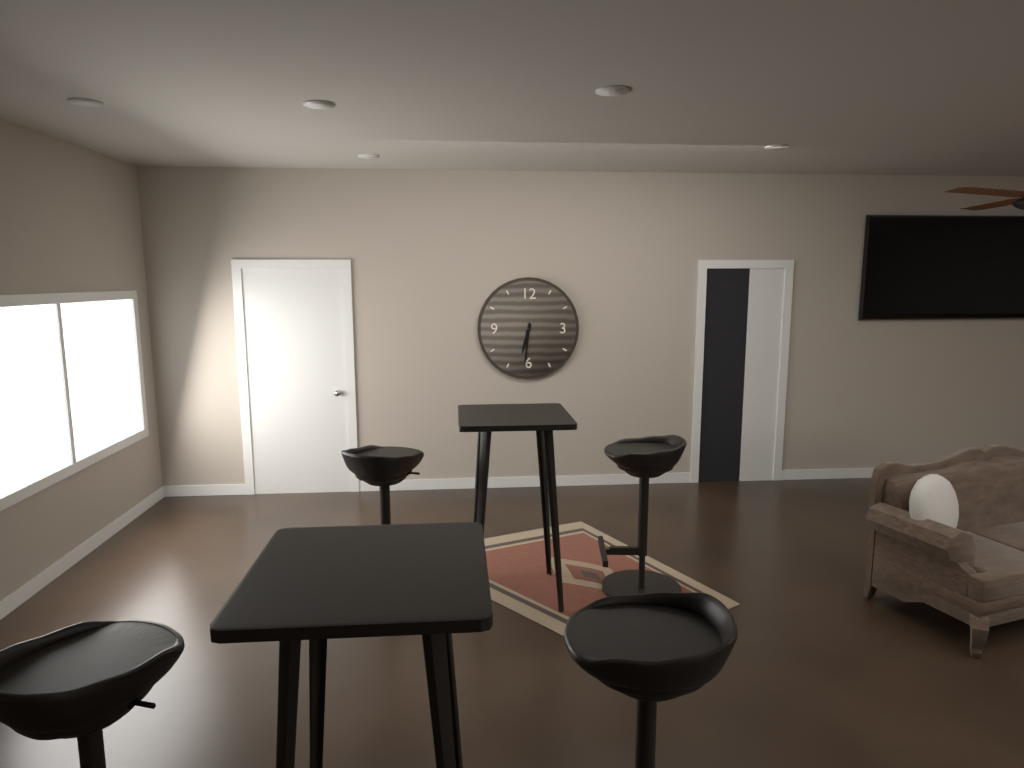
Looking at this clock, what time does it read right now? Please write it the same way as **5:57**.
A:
**6:31**
